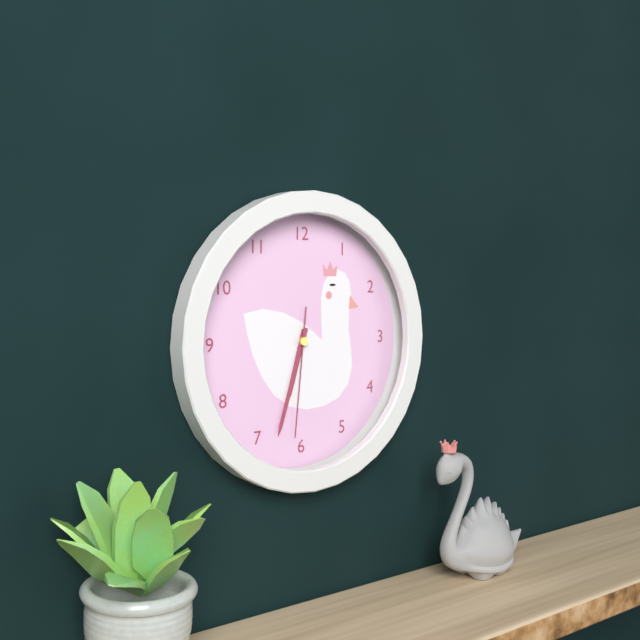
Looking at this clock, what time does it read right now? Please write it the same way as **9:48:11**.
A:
**6:33:31**
